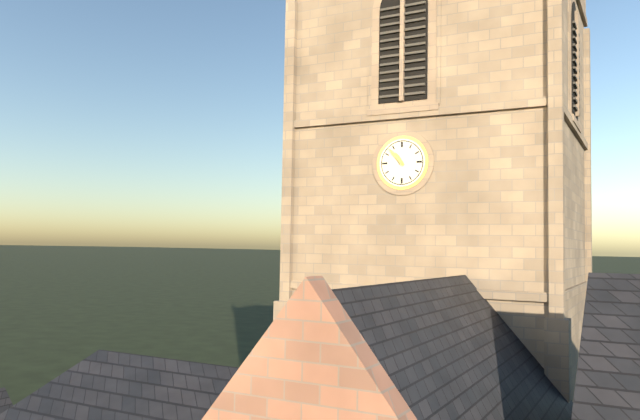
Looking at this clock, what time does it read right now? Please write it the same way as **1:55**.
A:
**10:53**
